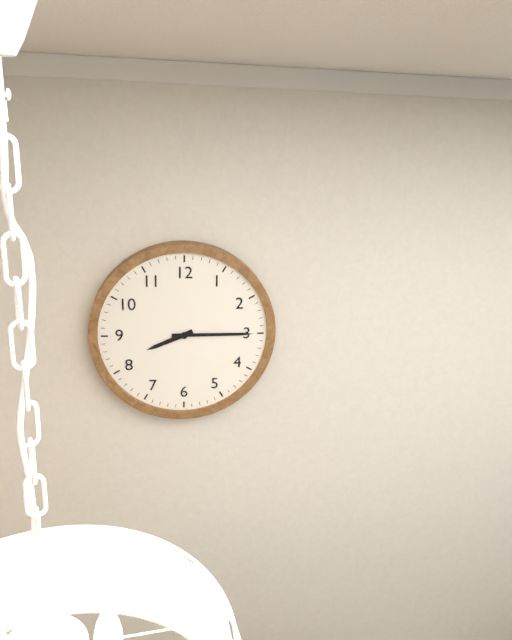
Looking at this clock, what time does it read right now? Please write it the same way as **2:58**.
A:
**8:15**
